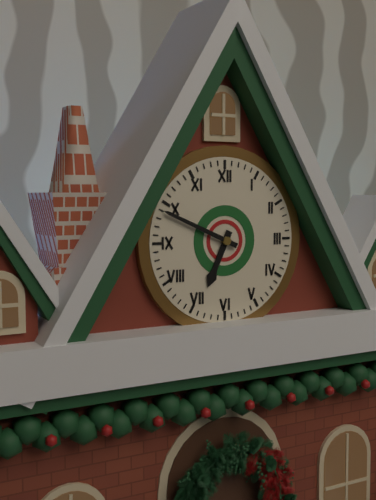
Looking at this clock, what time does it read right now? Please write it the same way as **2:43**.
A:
**6:49**
